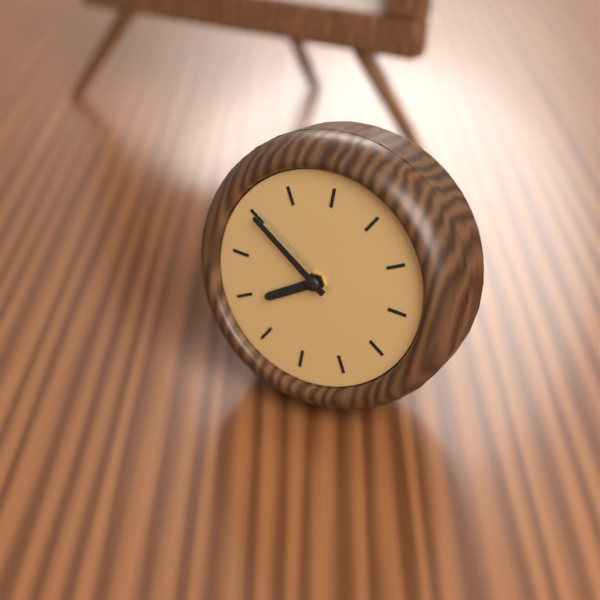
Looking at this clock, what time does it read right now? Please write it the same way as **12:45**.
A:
**7:50**
